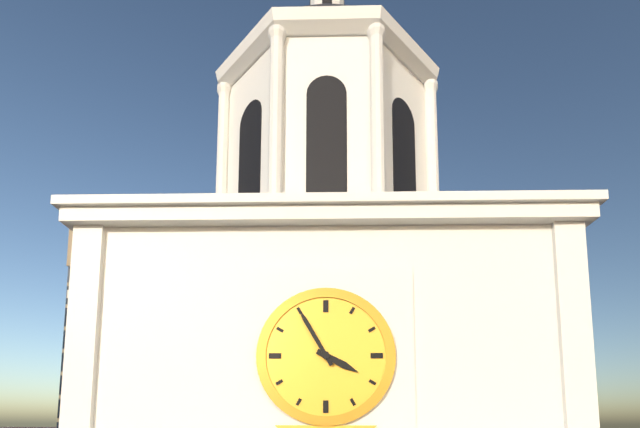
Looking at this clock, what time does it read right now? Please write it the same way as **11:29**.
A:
**3:55**
